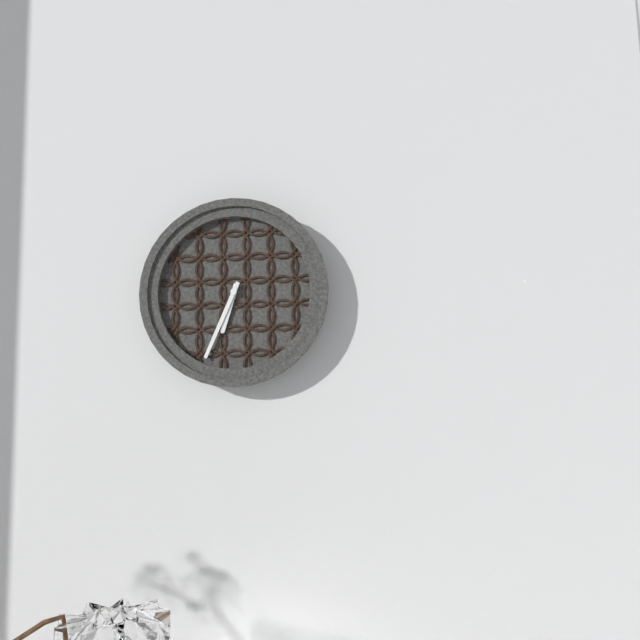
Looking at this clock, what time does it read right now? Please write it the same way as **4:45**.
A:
**6:34**
